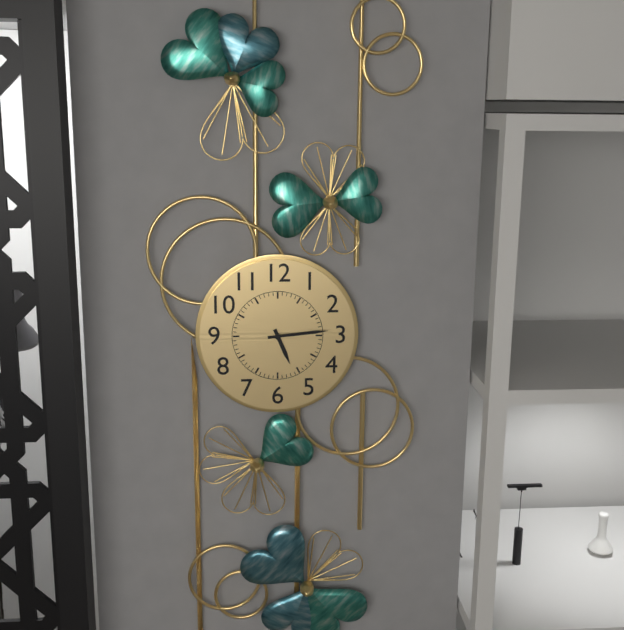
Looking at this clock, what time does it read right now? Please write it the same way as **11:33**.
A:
**5:14**
